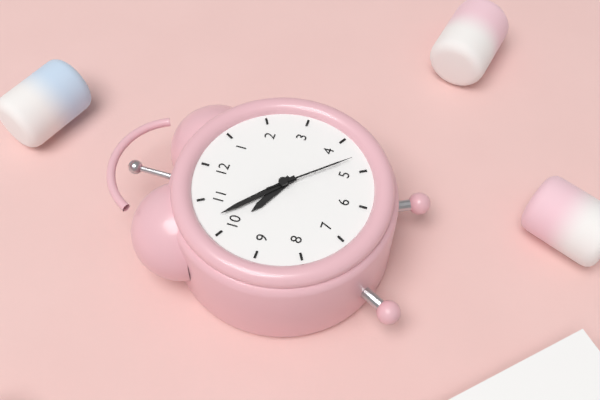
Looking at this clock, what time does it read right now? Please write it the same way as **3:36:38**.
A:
**9:52:23**
